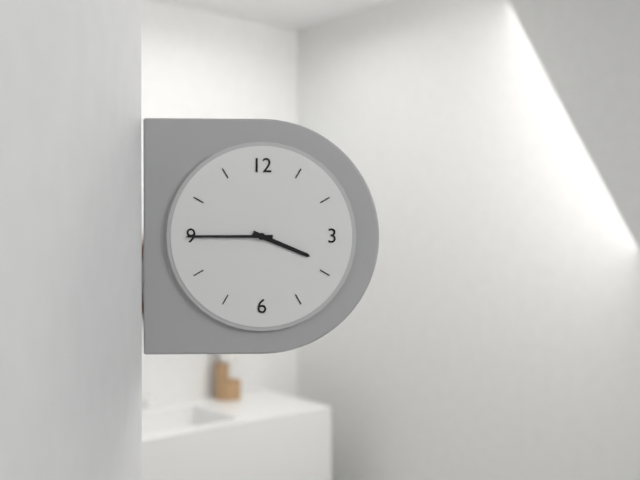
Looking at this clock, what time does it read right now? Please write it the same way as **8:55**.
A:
**3:45**
